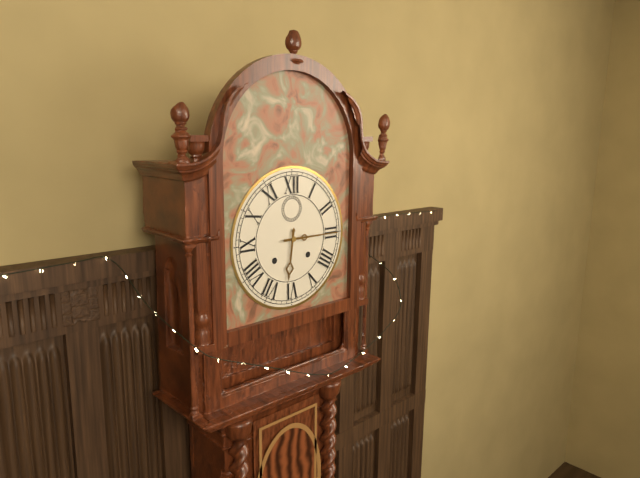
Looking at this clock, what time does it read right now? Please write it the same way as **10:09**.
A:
**6:15**
